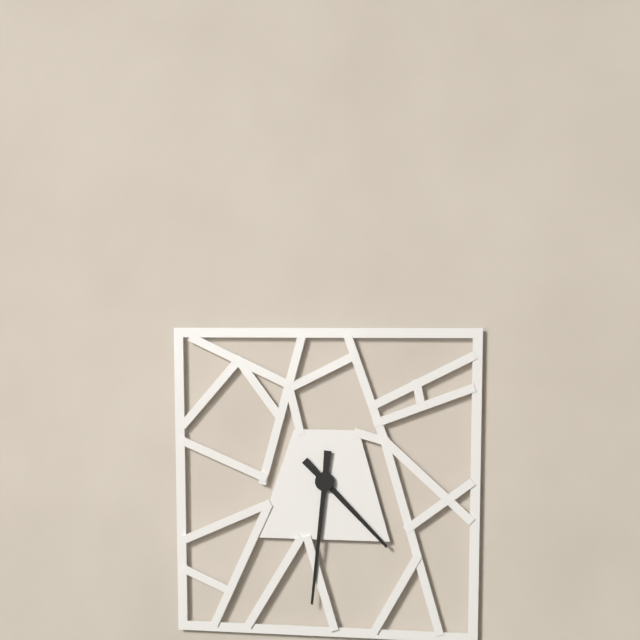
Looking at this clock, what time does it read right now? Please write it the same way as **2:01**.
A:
**4:31**
